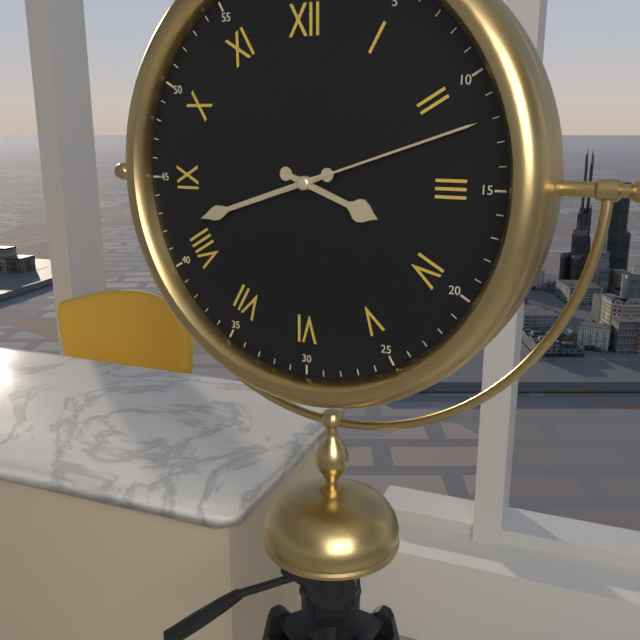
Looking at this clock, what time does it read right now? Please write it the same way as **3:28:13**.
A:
**3:42:12**
